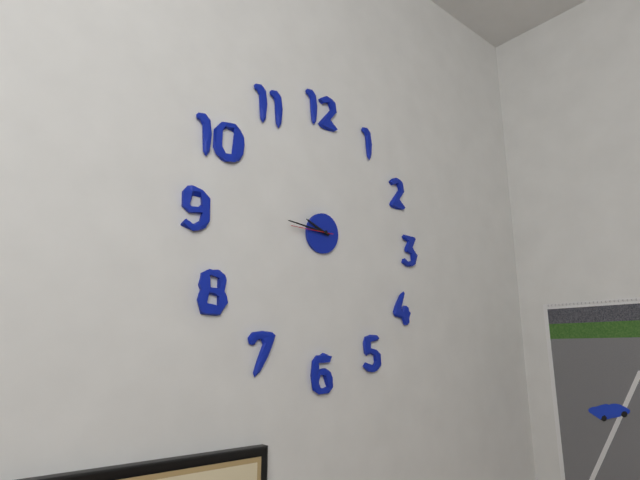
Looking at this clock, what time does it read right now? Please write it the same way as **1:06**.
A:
**9:46**
